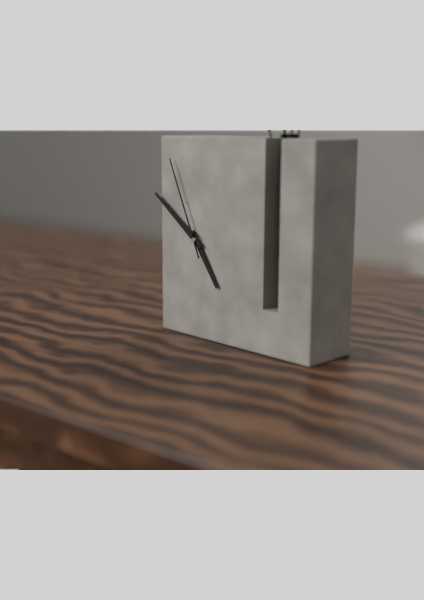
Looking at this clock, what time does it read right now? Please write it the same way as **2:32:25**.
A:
**4:51:56**
